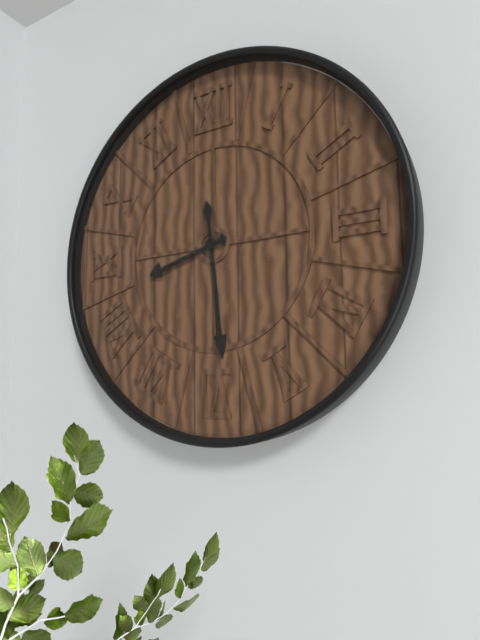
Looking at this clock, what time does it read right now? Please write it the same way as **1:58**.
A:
**8:29**
